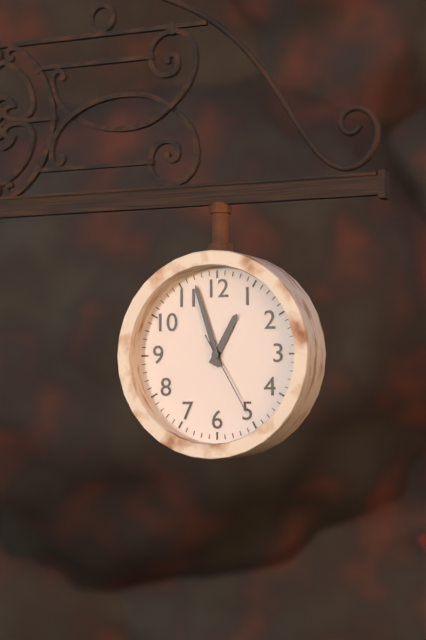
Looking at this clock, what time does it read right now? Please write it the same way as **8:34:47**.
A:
**12:57:25**
